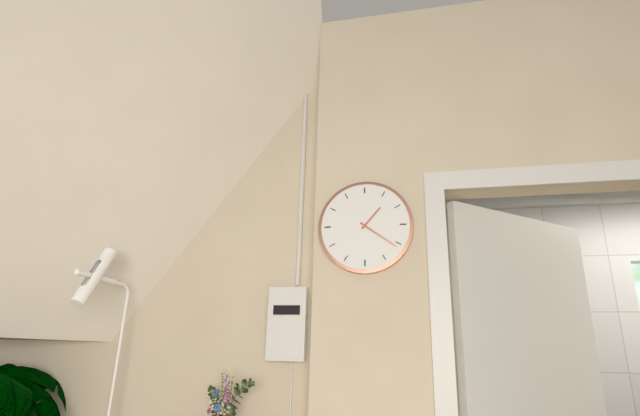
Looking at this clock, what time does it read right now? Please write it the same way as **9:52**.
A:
**1:21**
